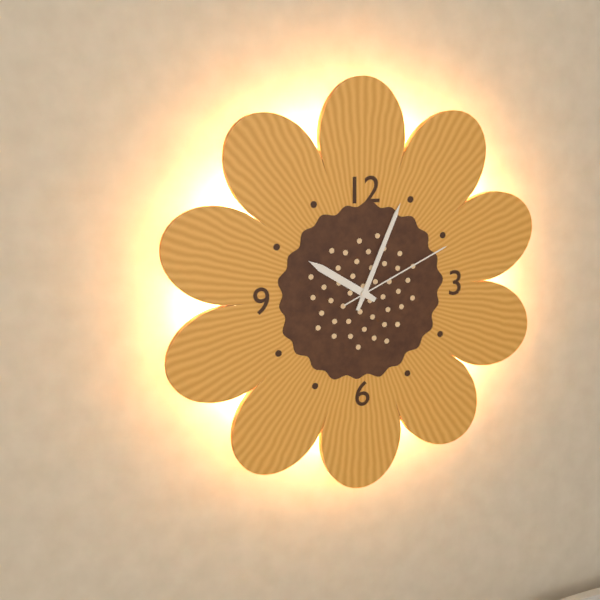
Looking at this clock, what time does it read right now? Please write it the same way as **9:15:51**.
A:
**10:04:11**
